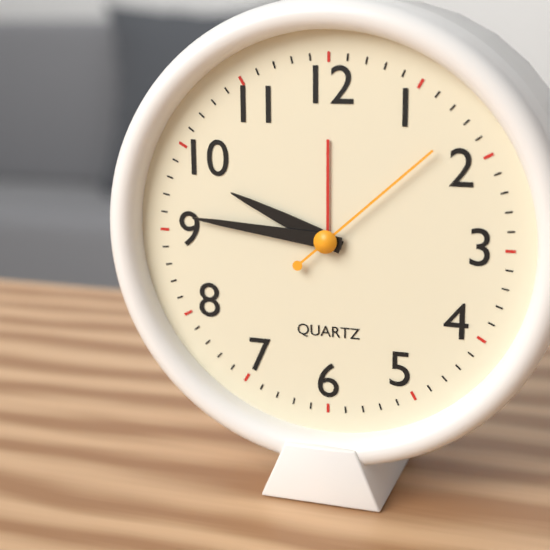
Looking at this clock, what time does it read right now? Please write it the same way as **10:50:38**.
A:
**9:46:08**
